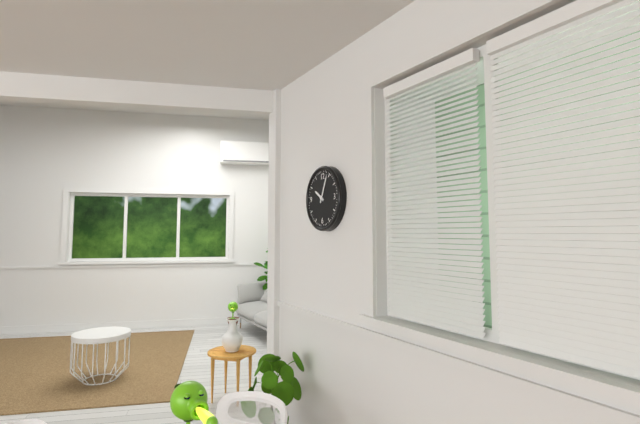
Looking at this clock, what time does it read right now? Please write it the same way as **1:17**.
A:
**10:04**
